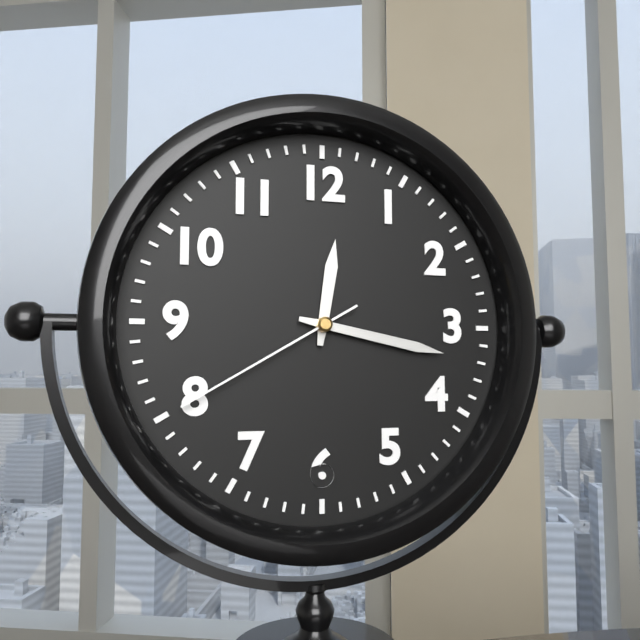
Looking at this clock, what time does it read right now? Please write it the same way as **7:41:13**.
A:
**12:17:40**
